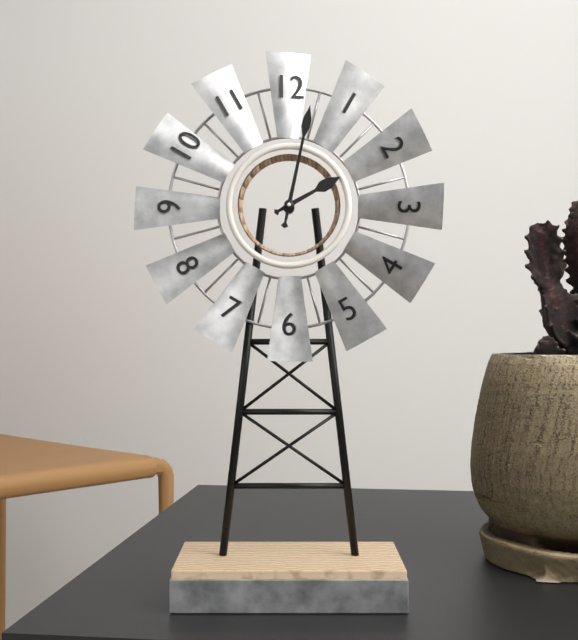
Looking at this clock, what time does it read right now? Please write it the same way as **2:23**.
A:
**2:02**
